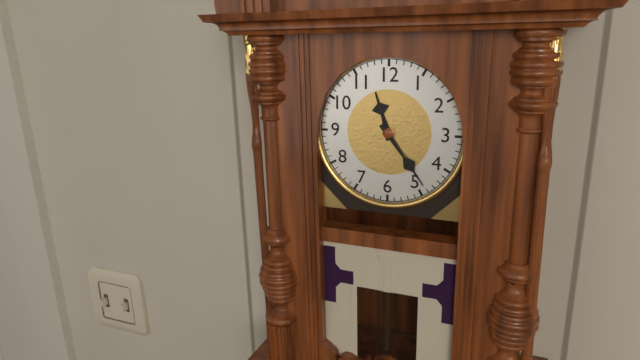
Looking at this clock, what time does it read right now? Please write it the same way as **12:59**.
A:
**11:24**
